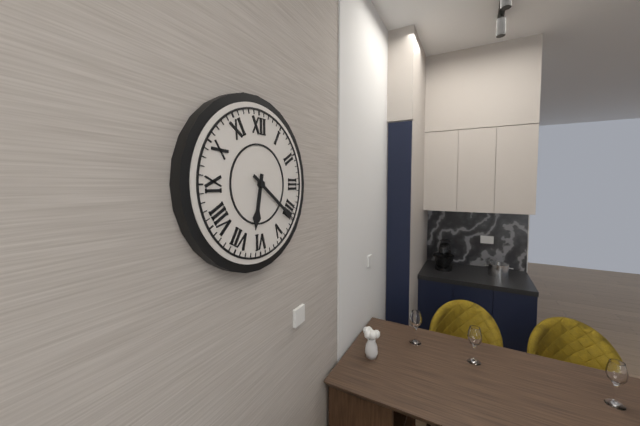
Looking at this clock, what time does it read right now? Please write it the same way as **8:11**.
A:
**6:21**
